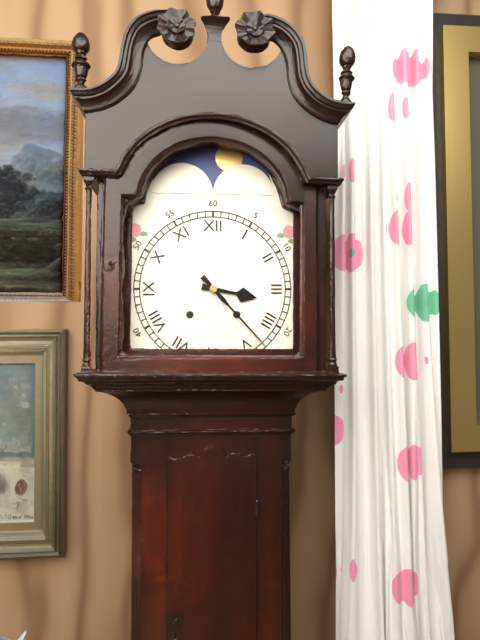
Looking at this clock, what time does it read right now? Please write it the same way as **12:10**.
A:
**3:23**
